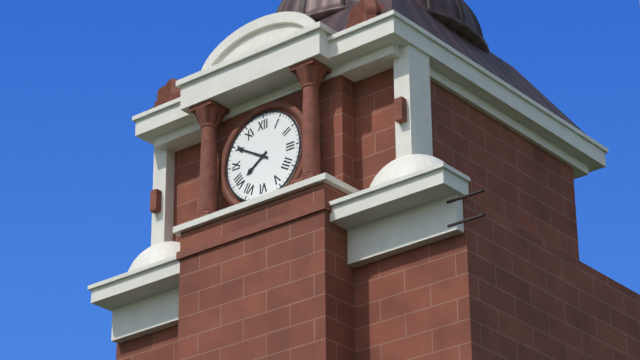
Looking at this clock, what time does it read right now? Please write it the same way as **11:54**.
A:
**7:50**
